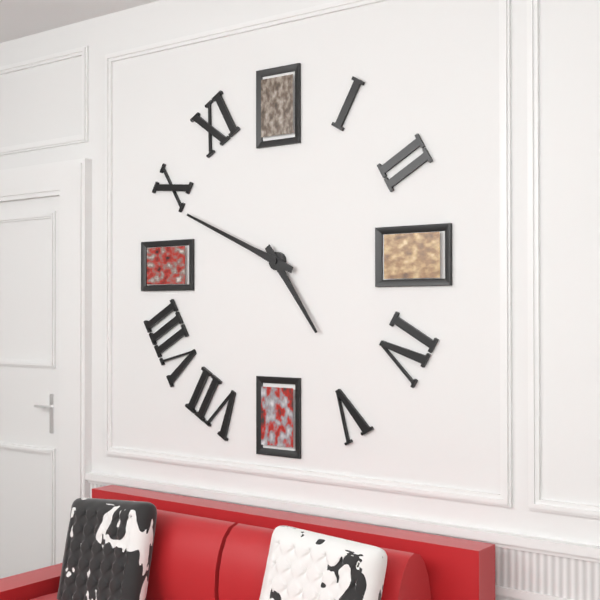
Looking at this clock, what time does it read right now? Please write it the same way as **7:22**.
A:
**4:49**
